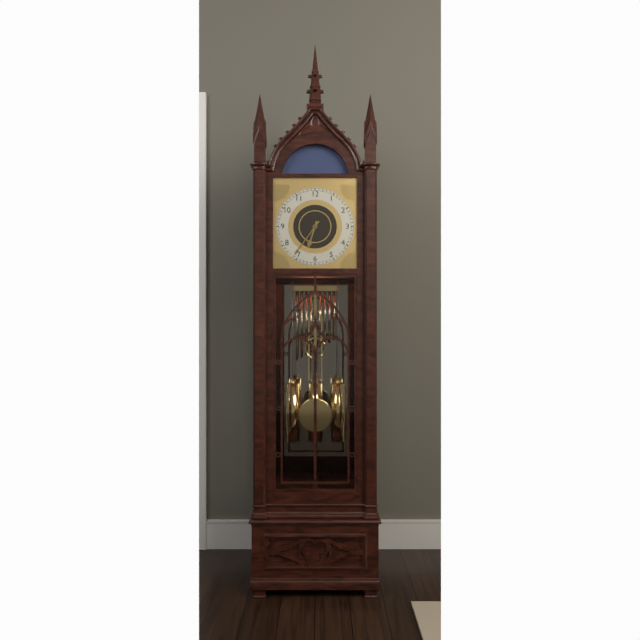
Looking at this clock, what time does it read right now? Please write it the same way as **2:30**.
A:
**6:36**
